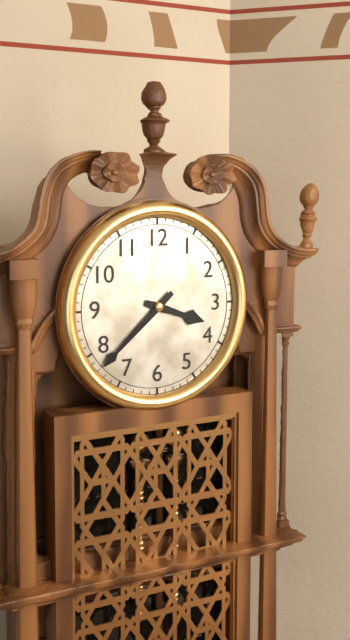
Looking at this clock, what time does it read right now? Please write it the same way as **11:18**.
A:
**3:38**
